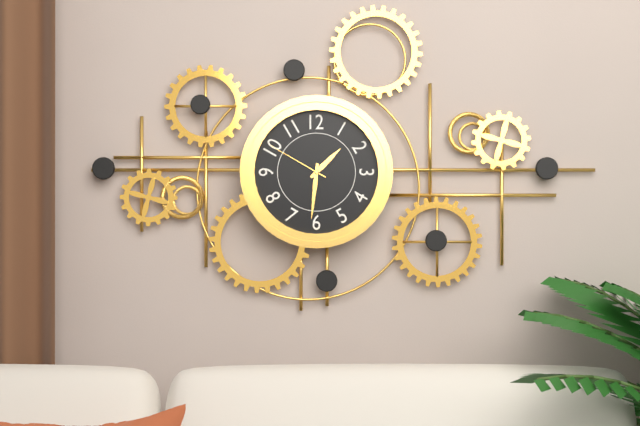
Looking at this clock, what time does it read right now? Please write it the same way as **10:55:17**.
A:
**1:31:50**
